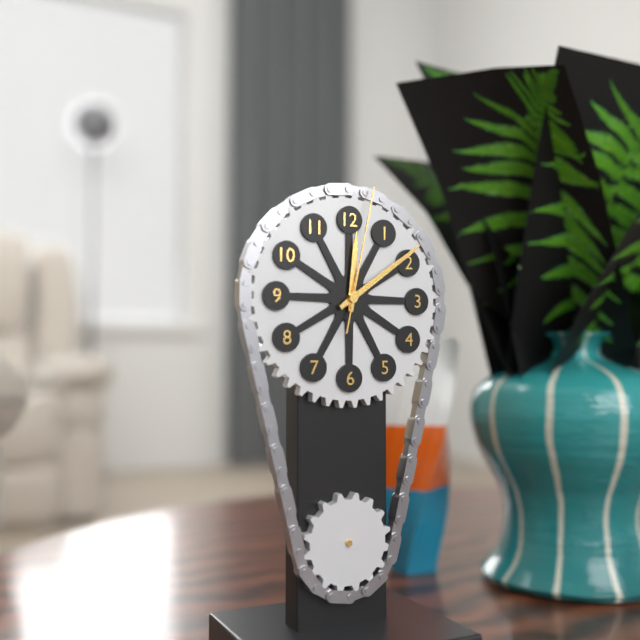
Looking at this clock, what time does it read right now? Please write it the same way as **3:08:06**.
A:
**12:09:02**
